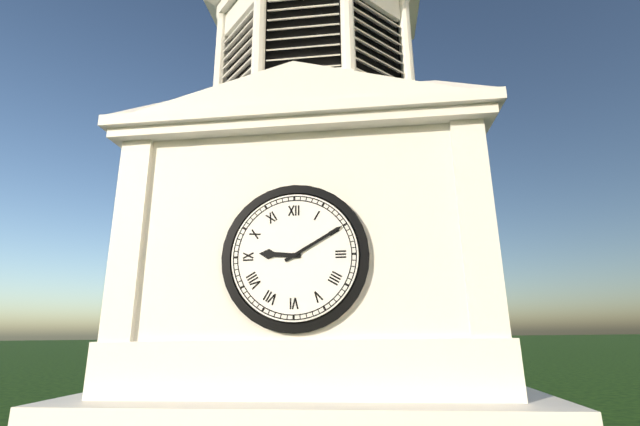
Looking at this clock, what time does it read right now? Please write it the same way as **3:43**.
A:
**9:10**
